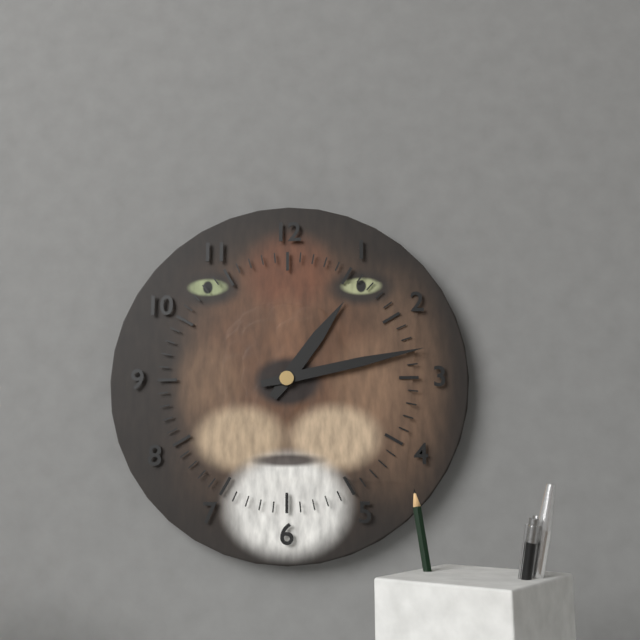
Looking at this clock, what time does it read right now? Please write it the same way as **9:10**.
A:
**1:13**
